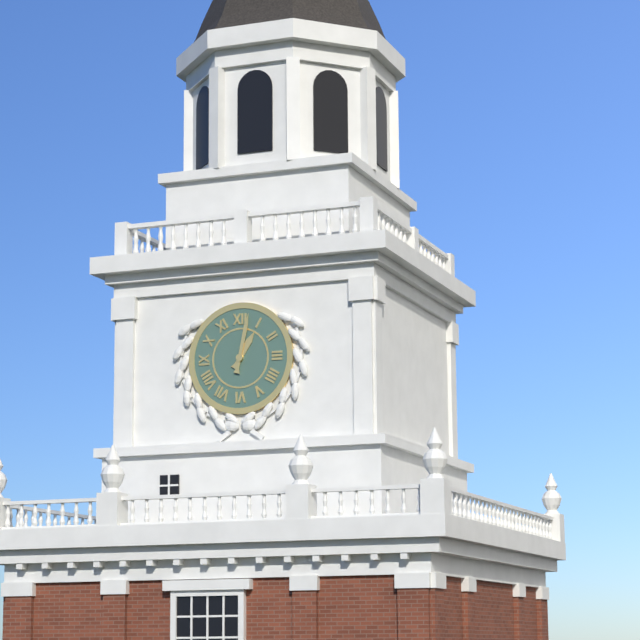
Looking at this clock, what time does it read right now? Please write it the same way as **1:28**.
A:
**1:02**
